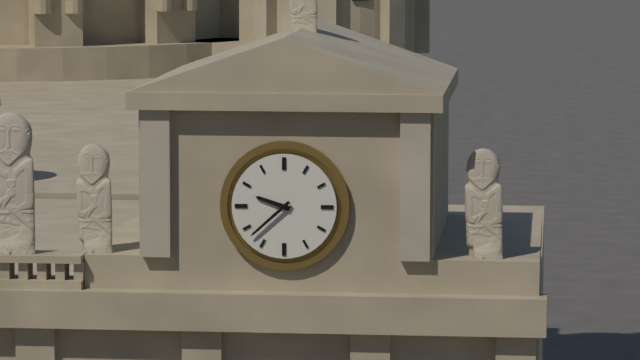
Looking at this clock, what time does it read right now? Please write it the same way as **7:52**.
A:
**9:38**
